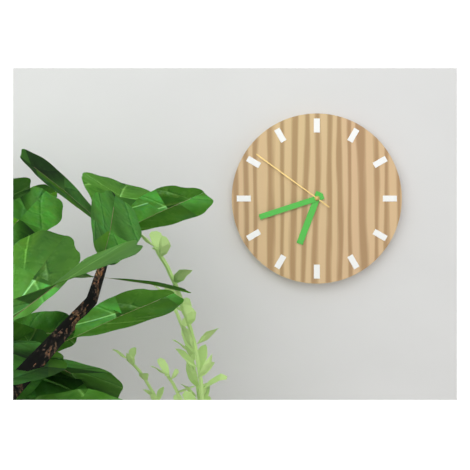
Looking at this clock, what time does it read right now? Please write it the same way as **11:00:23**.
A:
**6:42:51**
